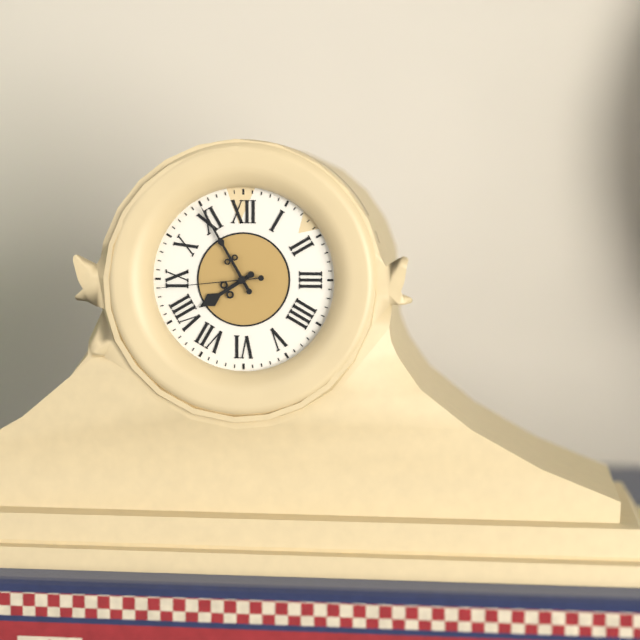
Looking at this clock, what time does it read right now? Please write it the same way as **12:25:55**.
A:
**7:55:44**
